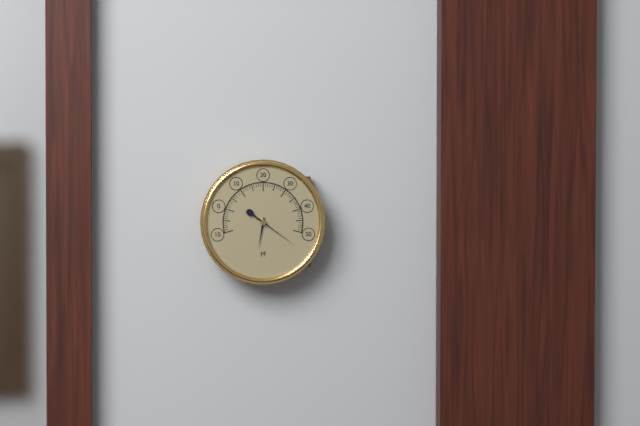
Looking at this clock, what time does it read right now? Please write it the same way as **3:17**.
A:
**6:21**
